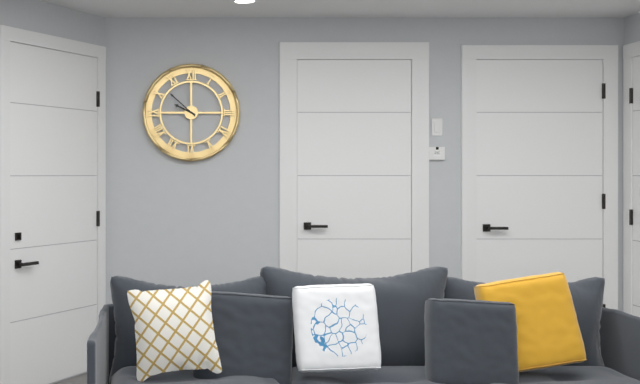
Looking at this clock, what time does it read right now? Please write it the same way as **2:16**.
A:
**9:52**
